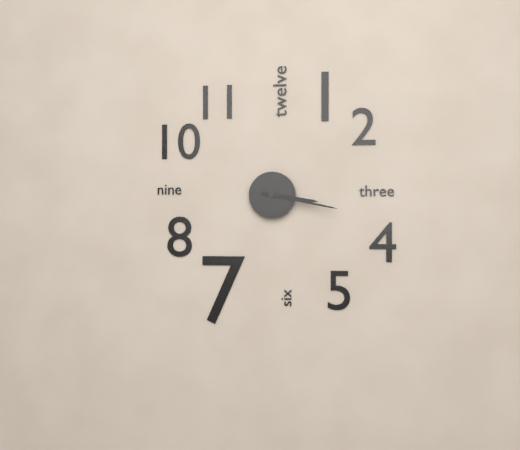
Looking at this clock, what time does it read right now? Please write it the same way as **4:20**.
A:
**3:17**
